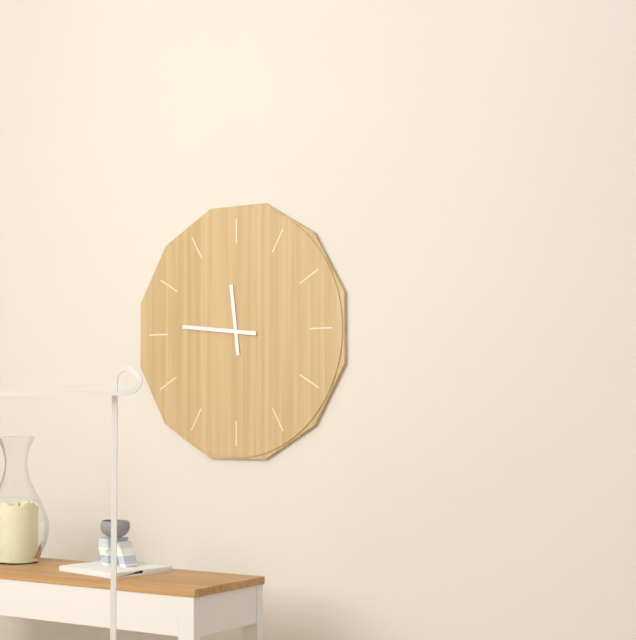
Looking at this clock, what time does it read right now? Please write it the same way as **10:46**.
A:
**11:46**
